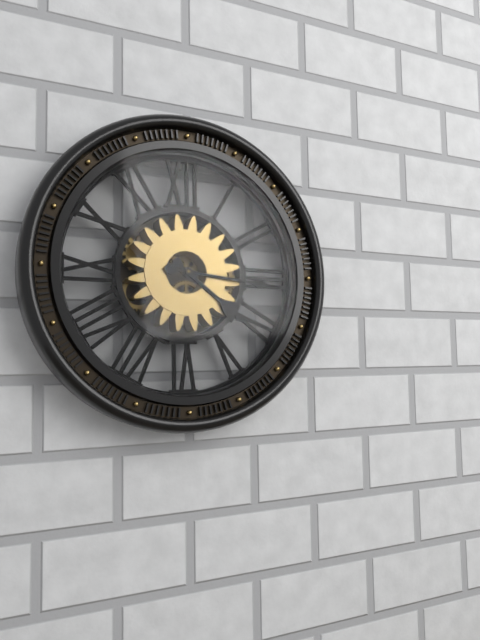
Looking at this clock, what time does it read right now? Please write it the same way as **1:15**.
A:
**4:16**
